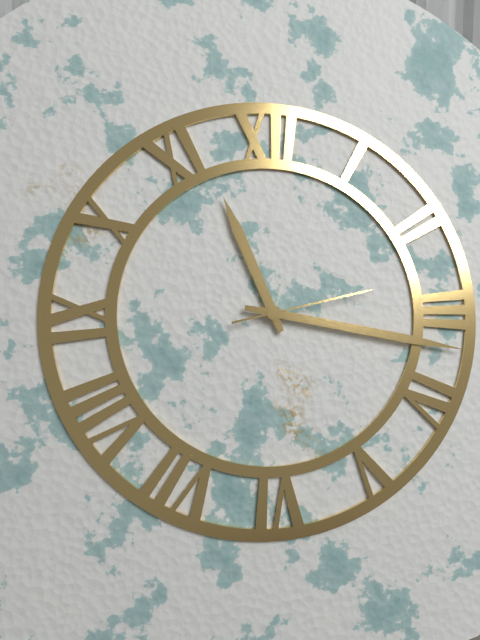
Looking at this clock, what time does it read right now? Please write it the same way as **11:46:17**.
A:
**11:17:13**
